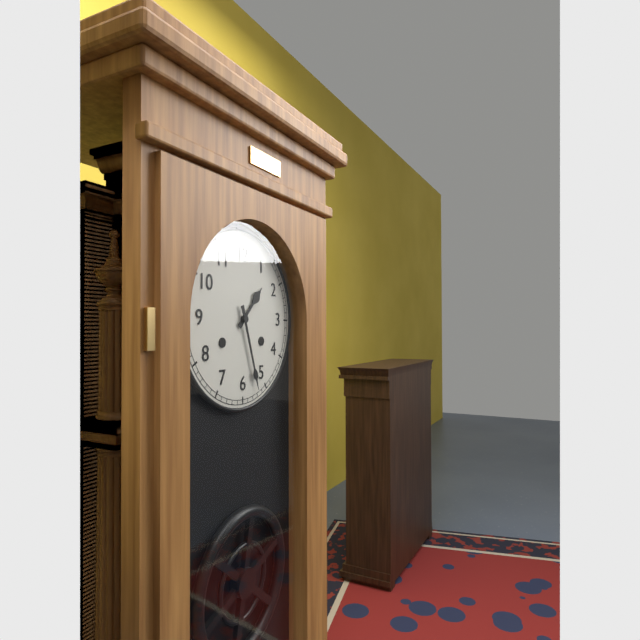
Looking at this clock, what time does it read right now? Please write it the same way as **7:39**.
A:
**1:27**
